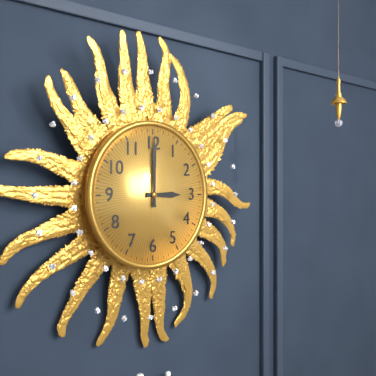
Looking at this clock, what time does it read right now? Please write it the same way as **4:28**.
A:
**3:00**
